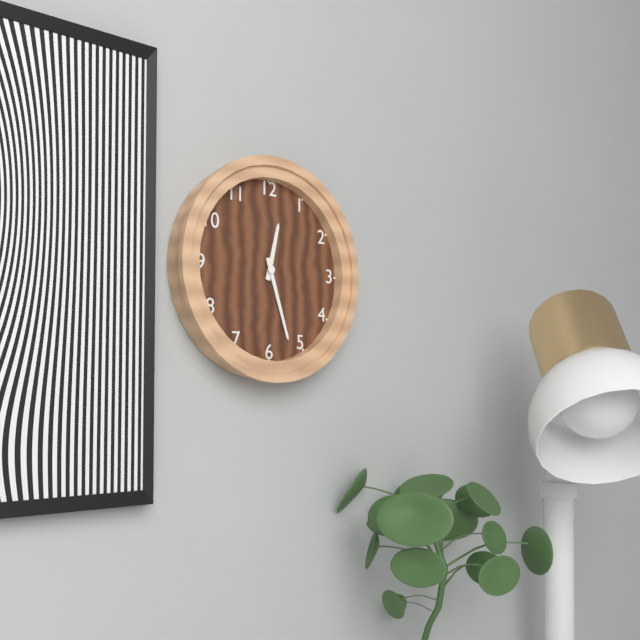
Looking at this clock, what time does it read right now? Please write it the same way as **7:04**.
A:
**12:27**
